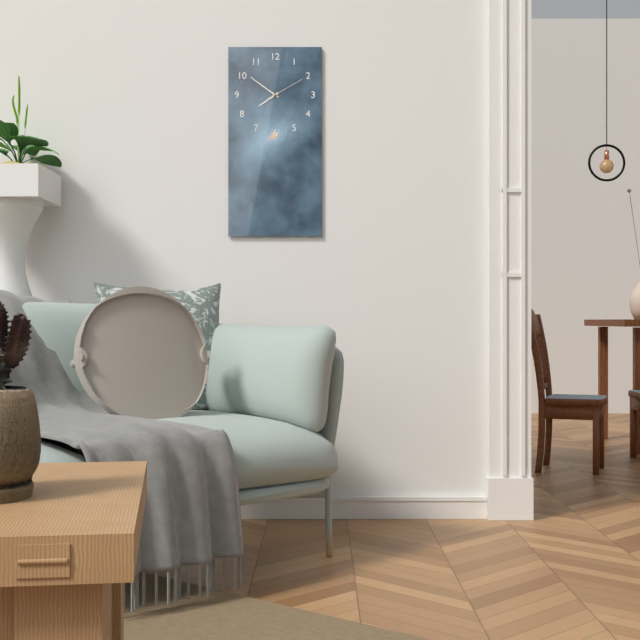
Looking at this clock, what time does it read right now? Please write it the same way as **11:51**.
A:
**7:51**
